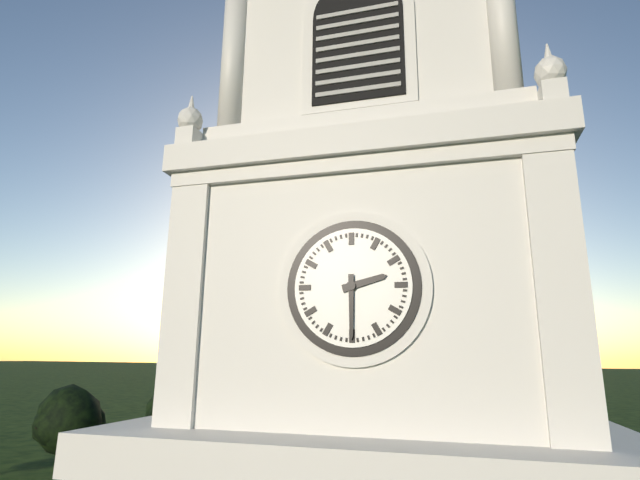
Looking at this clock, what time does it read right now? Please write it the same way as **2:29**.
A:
**2:30**
